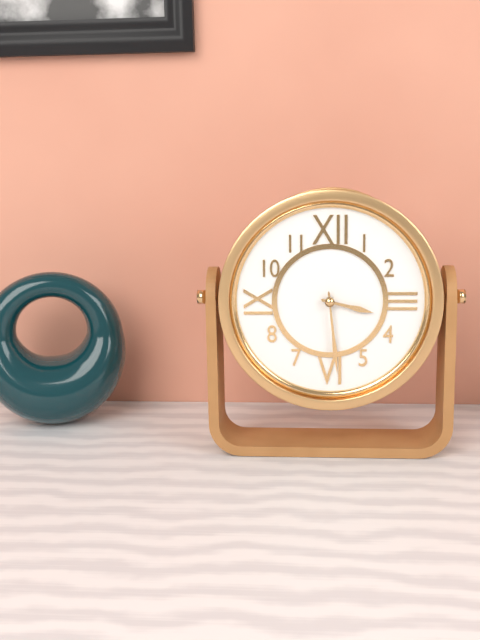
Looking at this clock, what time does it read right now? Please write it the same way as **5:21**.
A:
**3:29**
